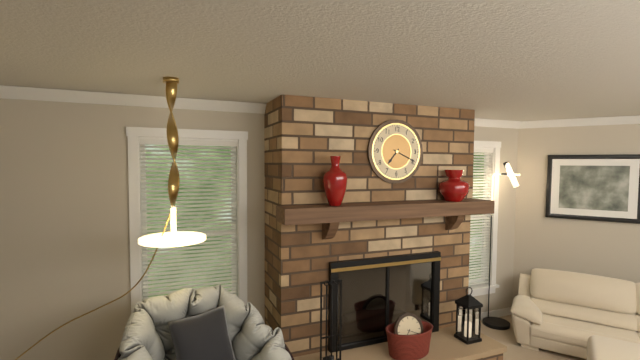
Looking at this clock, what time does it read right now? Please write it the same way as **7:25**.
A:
**7:19**
